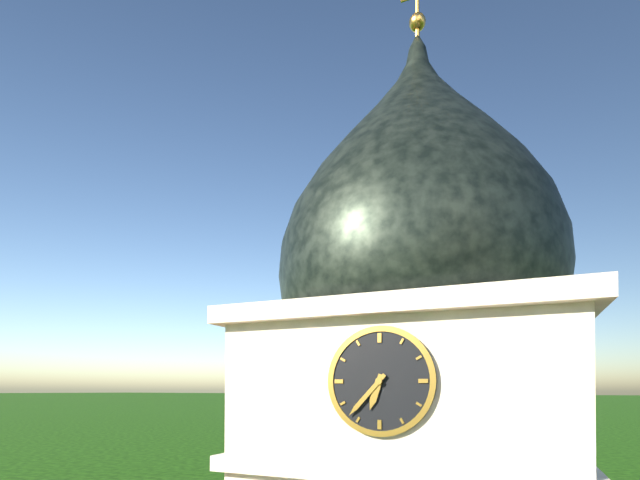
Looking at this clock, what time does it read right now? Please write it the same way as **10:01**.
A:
**6:37**
